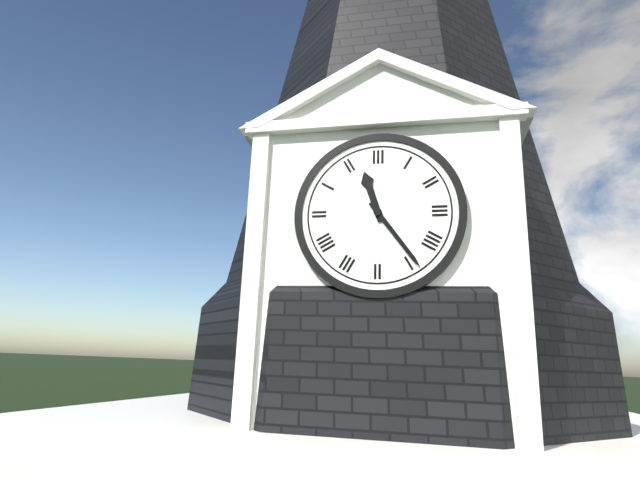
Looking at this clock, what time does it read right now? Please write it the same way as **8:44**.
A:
**11:24**
